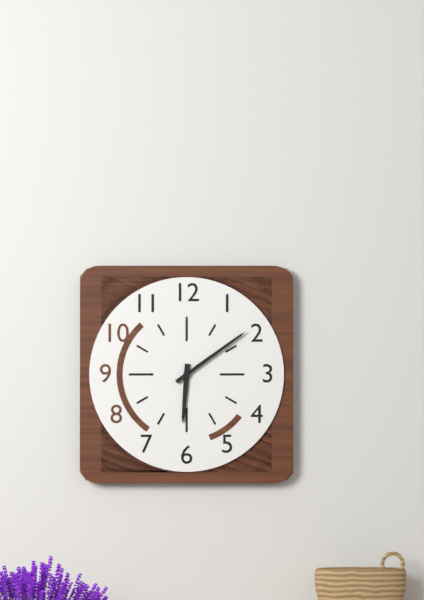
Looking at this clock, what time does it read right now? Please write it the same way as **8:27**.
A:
**6:09**
